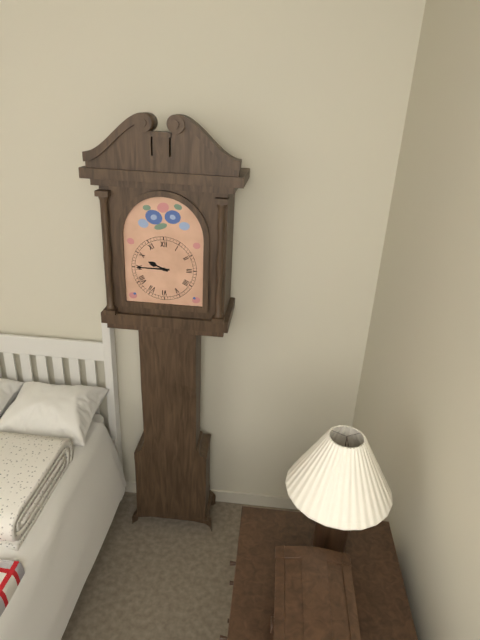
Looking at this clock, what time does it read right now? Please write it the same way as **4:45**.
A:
**9:45**
